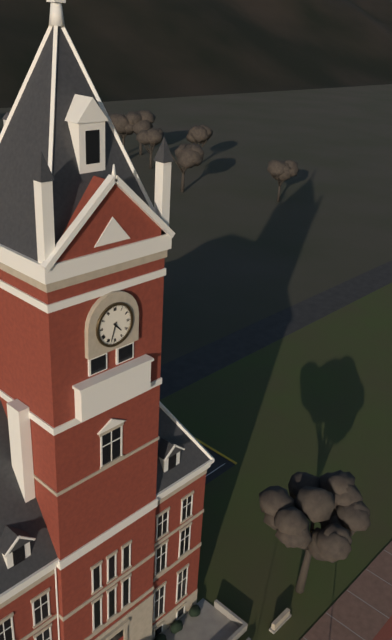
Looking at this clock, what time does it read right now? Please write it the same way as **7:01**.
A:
**4:33**
